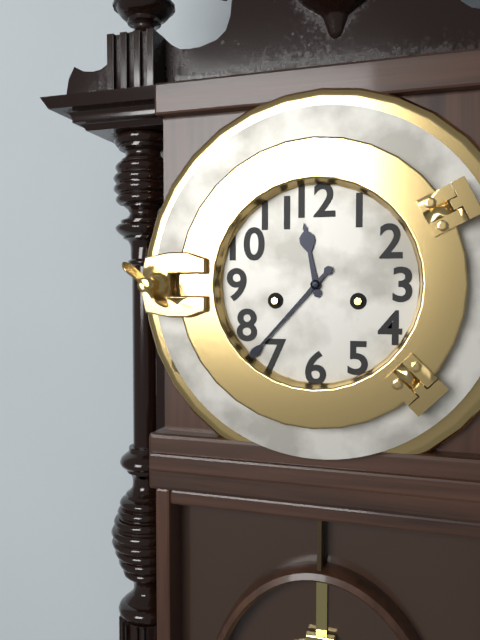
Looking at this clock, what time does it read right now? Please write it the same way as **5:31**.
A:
**11:37**
